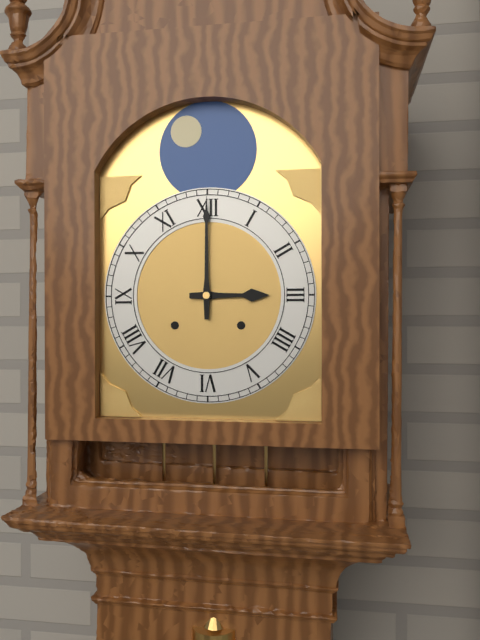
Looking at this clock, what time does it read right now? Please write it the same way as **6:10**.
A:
**3:00**
